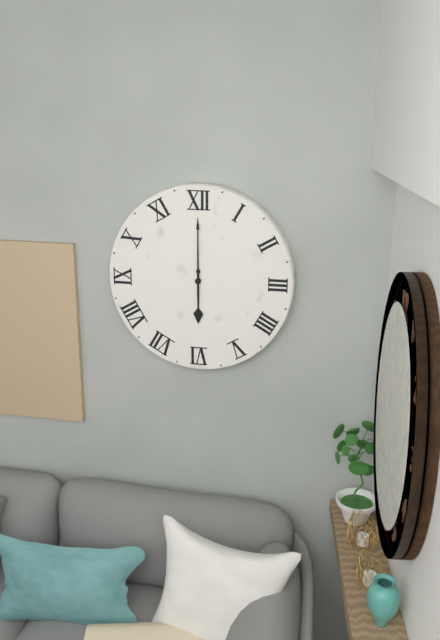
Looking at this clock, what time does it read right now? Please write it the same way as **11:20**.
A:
**6:00**
